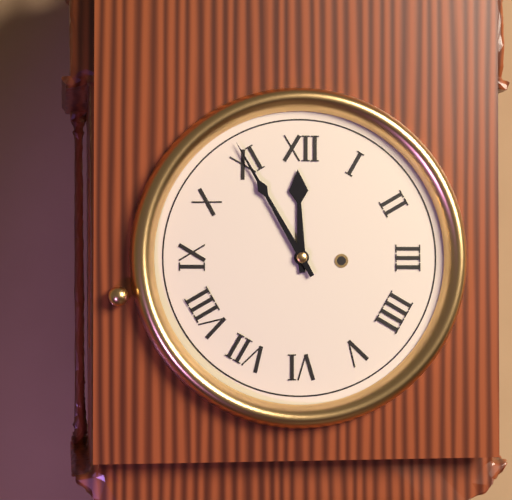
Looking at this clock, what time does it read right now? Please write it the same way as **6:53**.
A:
**11:55**
